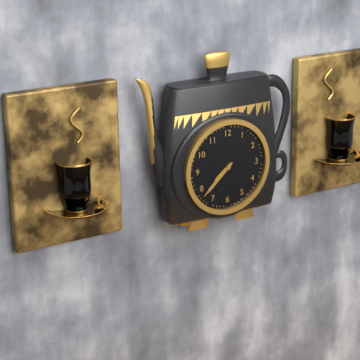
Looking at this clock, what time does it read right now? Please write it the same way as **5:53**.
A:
**7:38**
